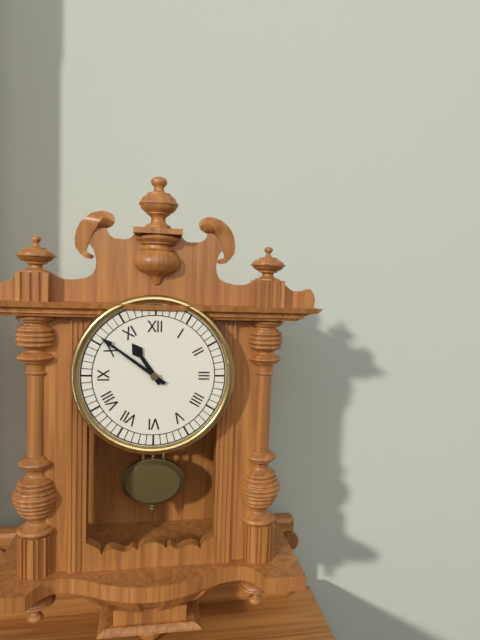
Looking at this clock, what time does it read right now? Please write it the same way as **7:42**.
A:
**10:51**
